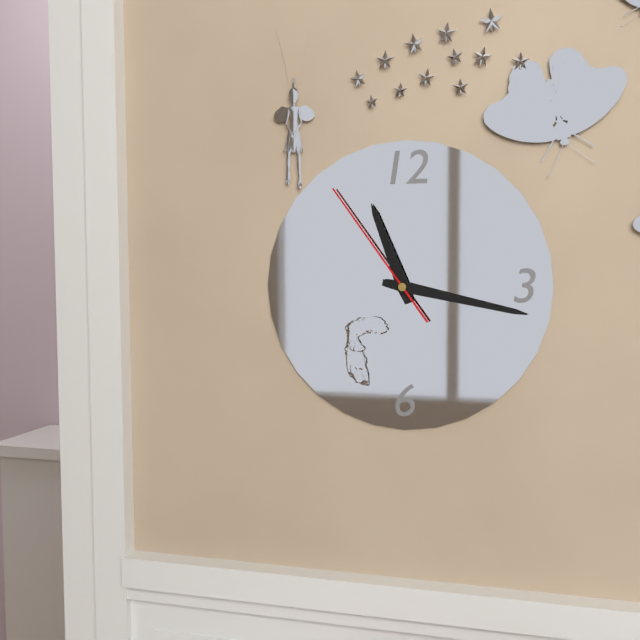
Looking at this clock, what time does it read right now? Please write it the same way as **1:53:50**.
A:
**11:17:54**
